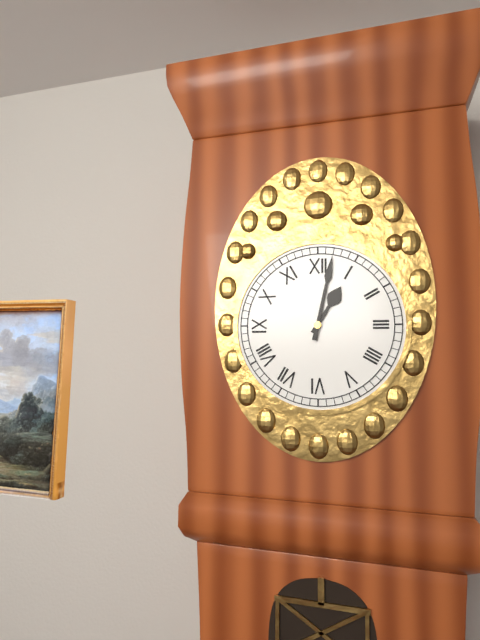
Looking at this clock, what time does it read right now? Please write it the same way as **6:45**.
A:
**1:02**
